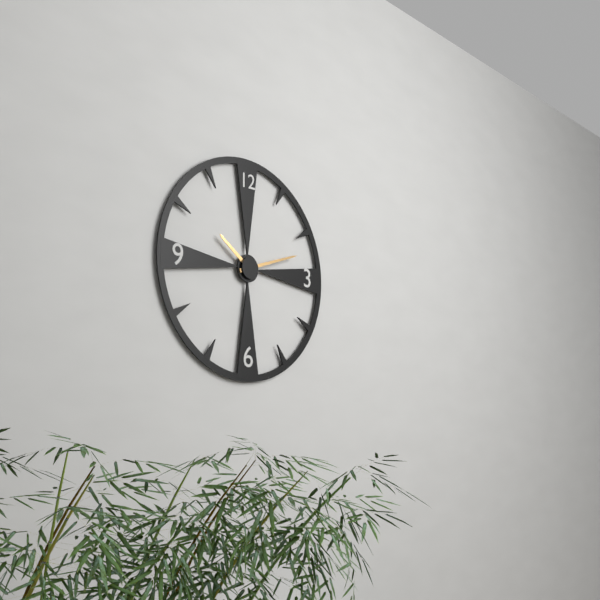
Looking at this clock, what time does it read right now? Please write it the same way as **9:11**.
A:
**10:12**
